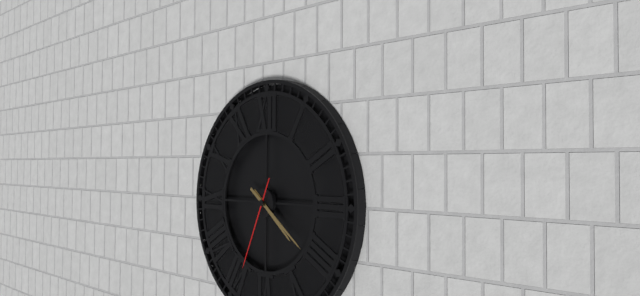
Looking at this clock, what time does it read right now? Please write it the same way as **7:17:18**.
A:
**4:21:34**
